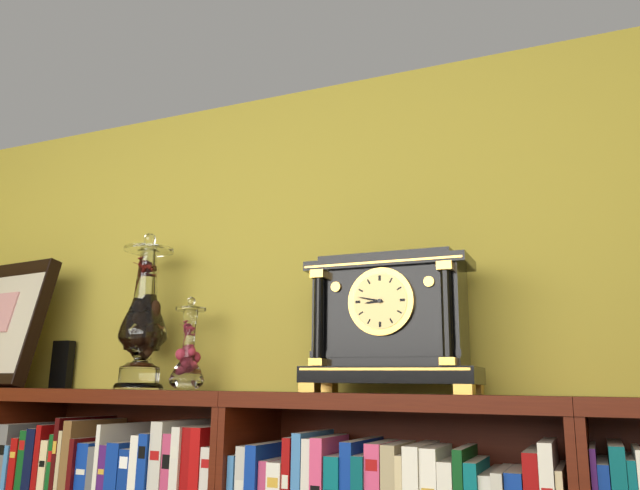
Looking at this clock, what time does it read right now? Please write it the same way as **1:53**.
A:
**8:47**
